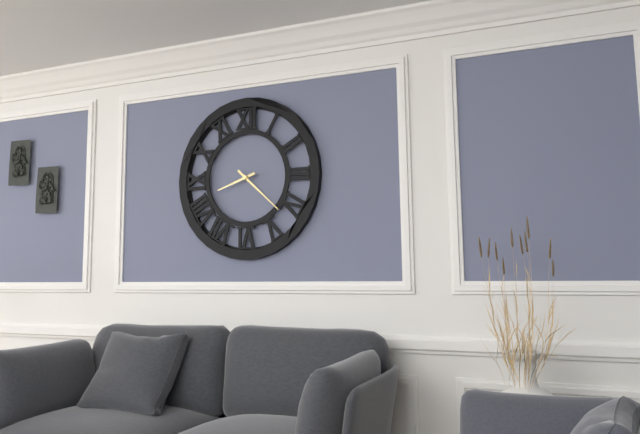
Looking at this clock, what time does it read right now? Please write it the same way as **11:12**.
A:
**8:22**
